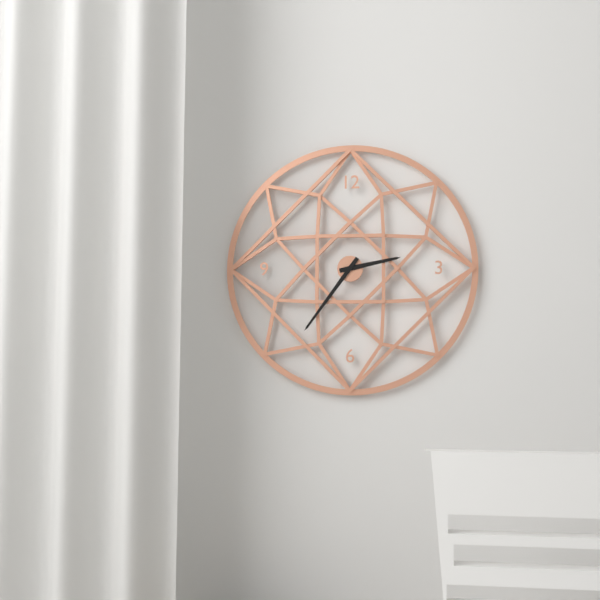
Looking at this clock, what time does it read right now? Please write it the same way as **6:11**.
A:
**2:36**
